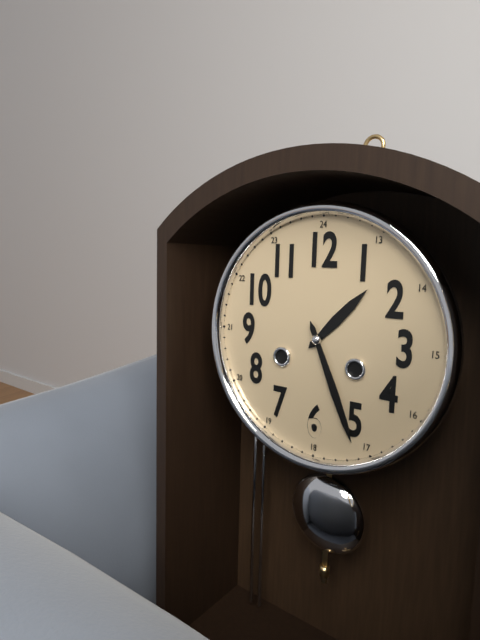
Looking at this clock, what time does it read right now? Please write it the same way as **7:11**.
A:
**1:26**
